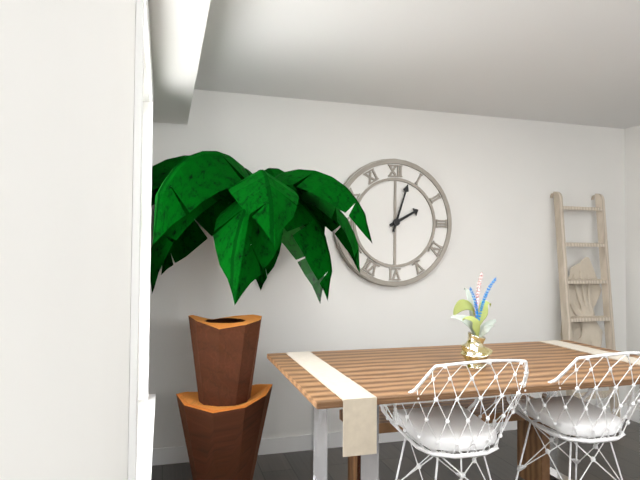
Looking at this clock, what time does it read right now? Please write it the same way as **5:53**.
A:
**2:03**
